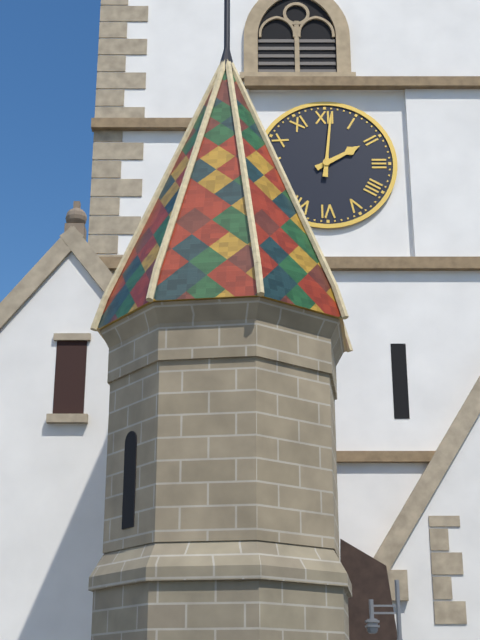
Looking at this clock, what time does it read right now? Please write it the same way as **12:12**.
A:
**2:01**
